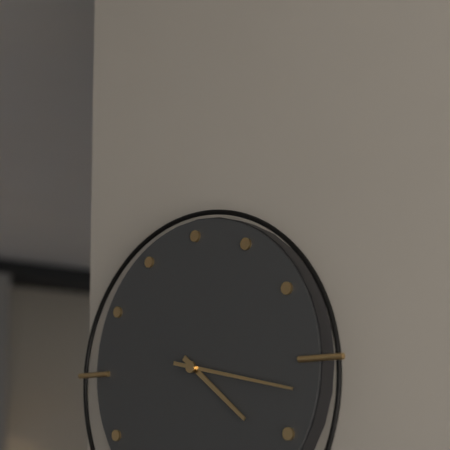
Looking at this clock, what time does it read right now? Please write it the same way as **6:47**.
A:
**4:17**
